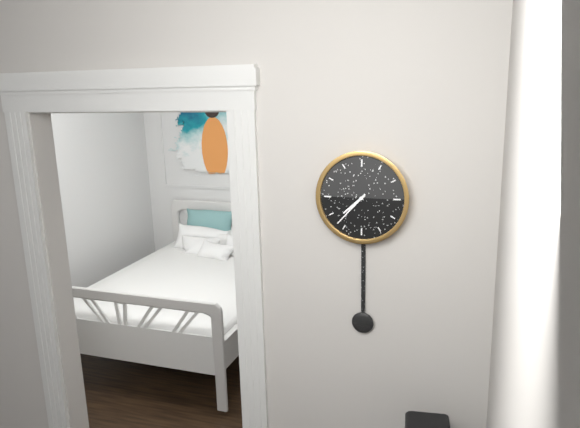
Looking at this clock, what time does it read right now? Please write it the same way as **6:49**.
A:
**7:37**
